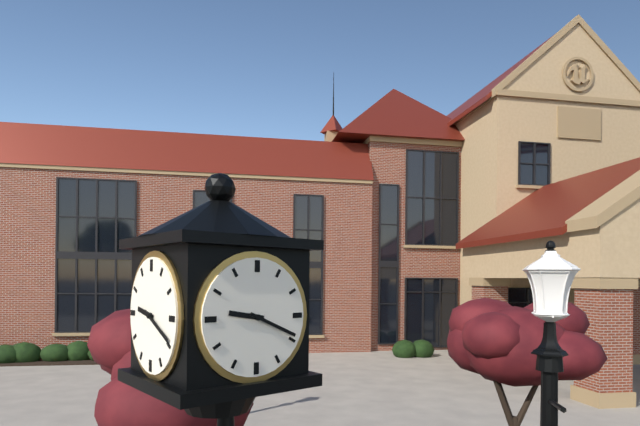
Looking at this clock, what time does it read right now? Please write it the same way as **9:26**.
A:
**9:19**
